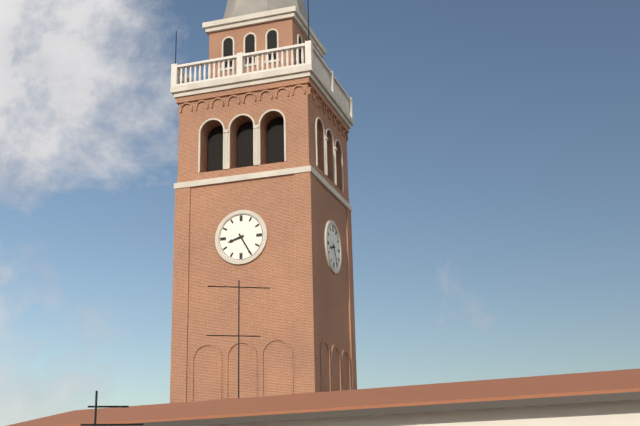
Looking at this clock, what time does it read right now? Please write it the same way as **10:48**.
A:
**8:25**
